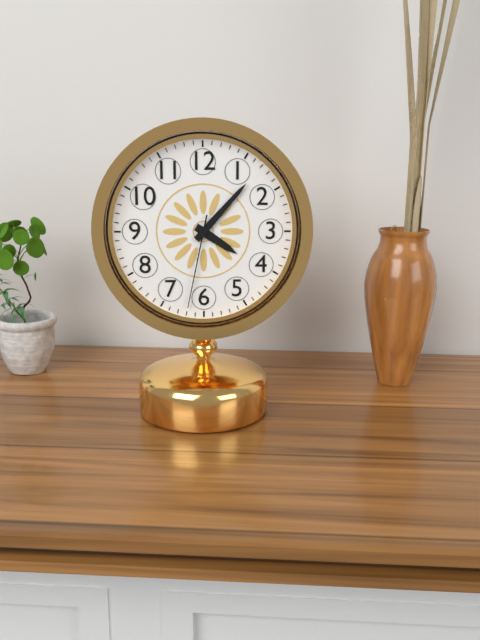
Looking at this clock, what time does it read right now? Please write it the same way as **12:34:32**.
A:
**4:07:32**
